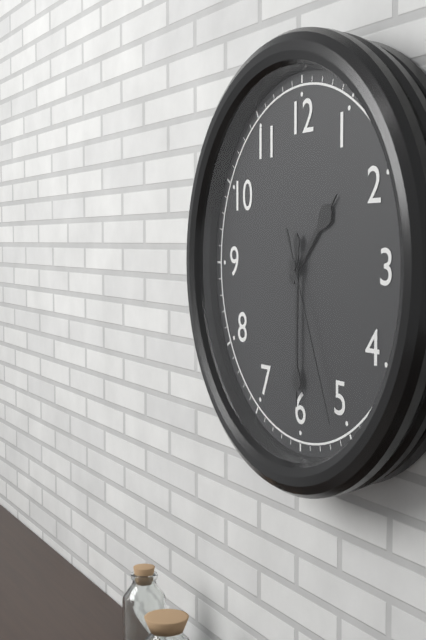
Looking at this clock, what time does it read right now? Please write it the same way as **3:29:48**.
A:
**1:30:26**
